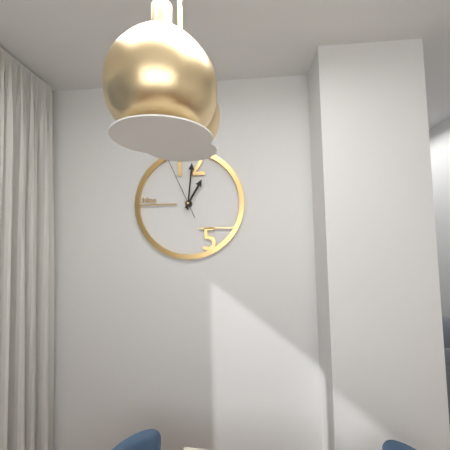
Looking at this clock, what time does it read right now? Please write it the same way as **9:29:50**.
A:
**1:01:56**
